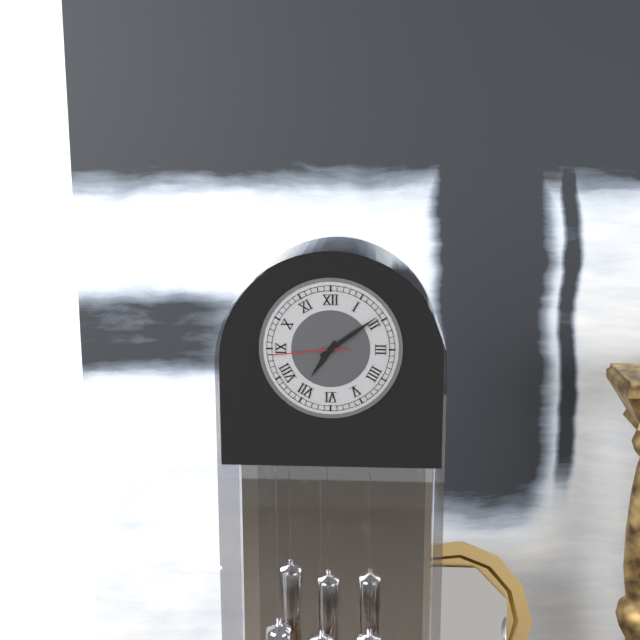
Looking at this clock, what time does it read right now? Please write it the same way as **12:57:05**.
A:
**7:09:44**
